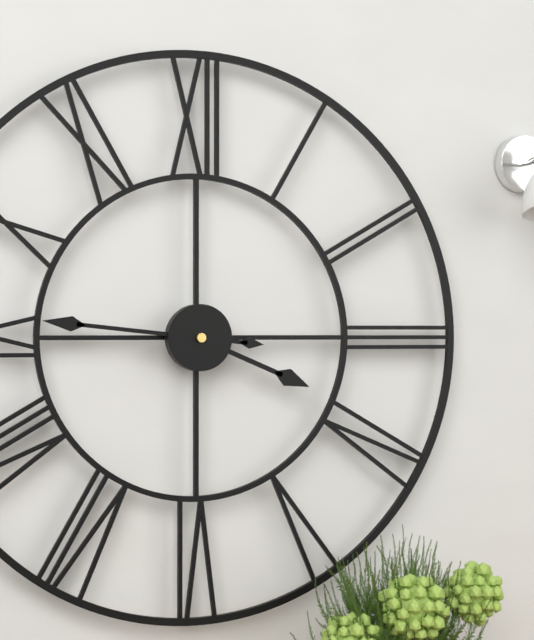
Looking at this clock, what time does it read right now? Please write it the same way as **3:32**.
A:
**3:46**
